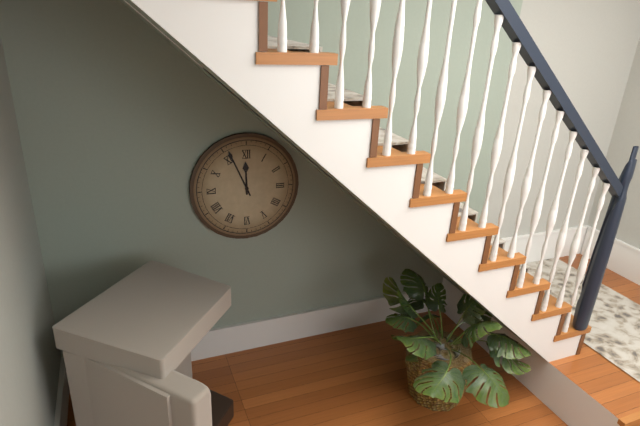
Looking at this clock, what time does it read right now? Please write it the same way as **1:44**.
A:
**11:56**
